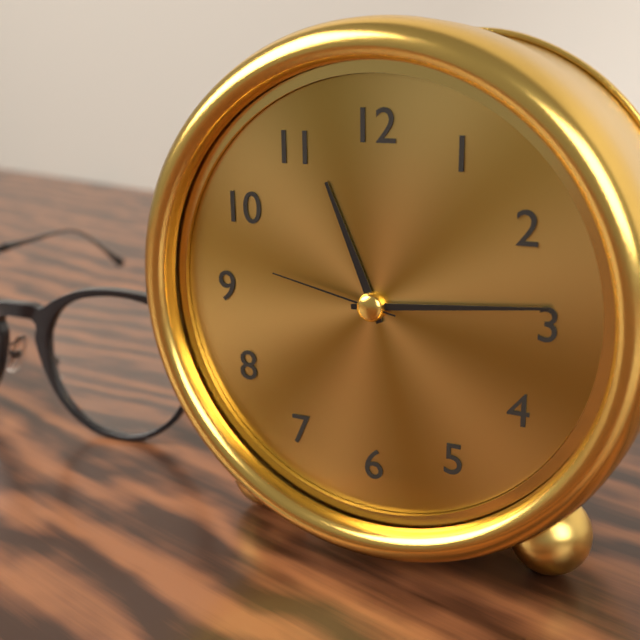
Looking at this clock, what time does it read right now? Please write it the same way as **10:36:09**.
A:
**11:14:47**
